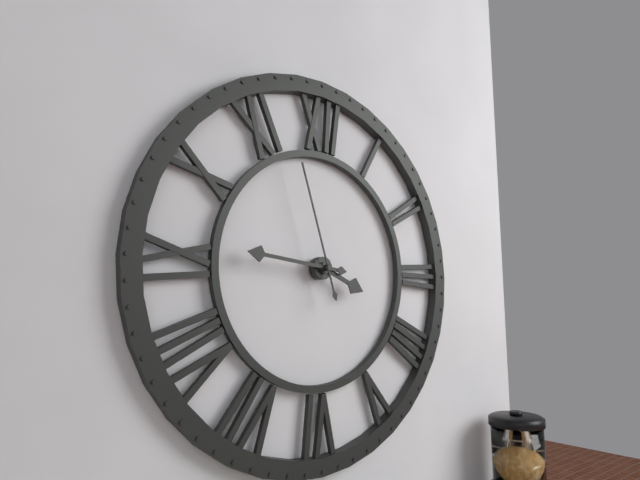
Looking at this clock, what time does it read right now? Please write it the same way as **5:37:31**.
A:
**3:46:57**
